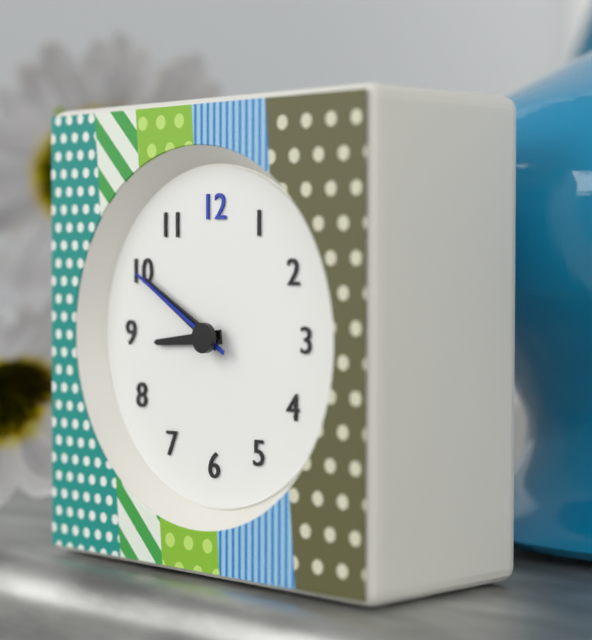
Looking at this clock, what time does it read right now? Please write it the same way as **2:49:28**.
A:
**8:50:50**
